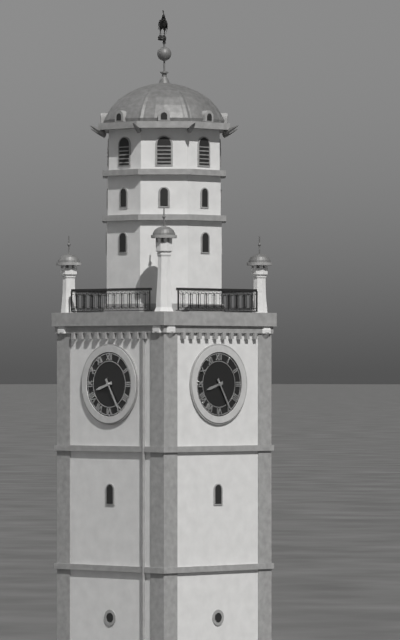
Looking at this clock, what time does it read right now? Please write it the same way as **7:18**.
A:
**8:25**
